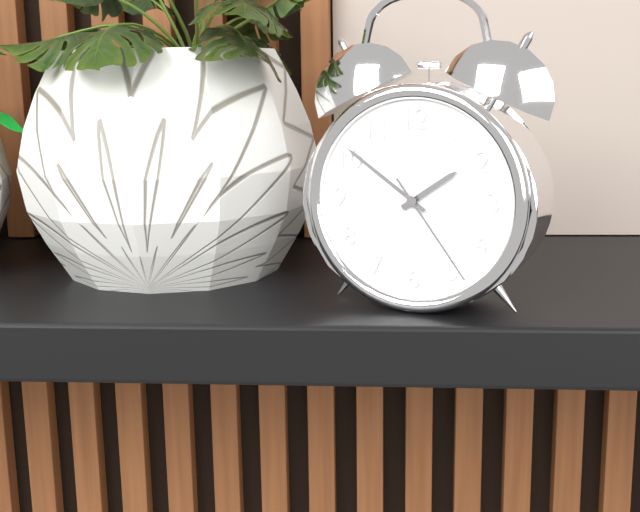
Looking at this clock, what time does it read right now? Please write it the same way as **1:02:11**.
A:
**1:51:24**
